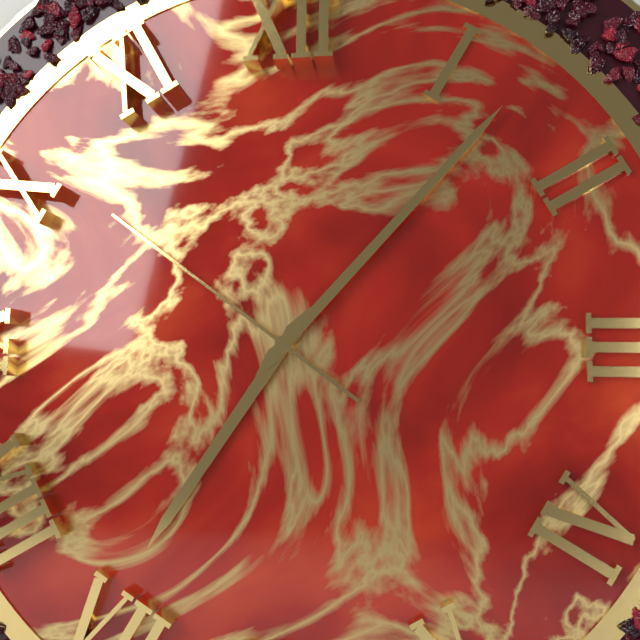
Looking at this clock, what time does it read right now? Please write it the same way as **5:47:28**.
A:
**7:07:51**
